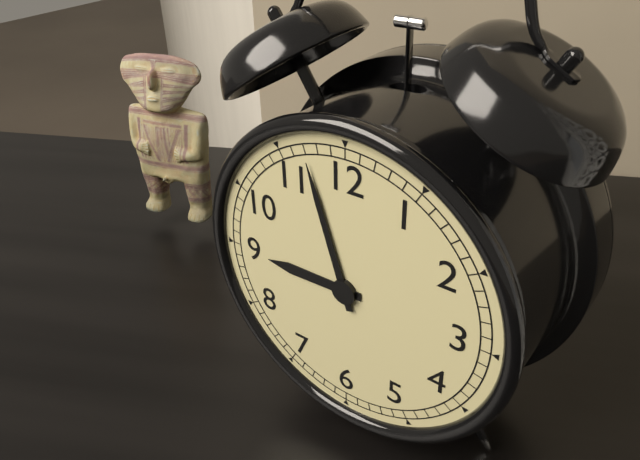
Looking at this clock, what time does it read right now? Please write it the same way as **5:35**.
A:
**8:57**
